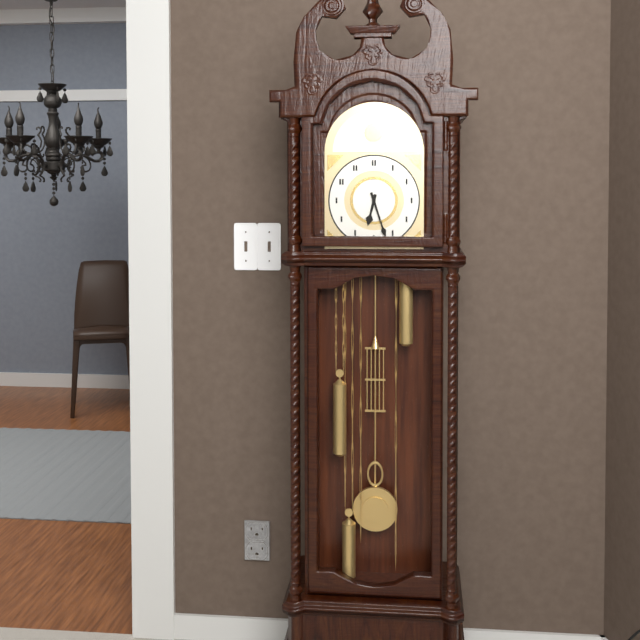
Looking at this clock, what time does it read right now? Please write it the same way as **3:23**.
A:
**6:27**
